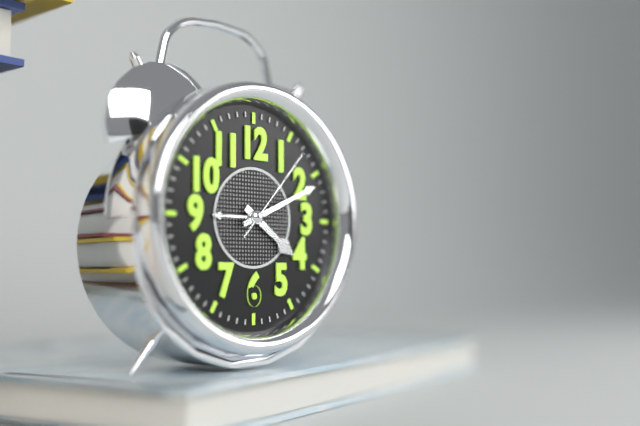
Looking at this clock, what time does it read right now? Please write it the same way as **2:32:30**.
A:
**4:11:07**
